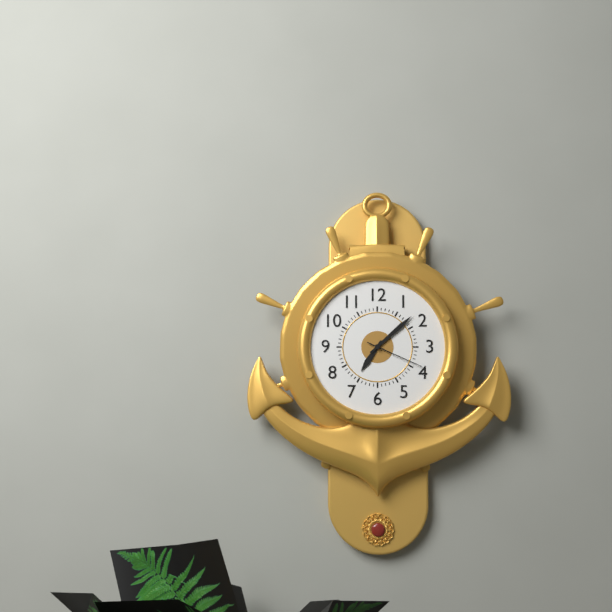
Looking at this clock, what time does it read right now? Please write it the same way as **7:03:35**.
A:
**7:08:19**
